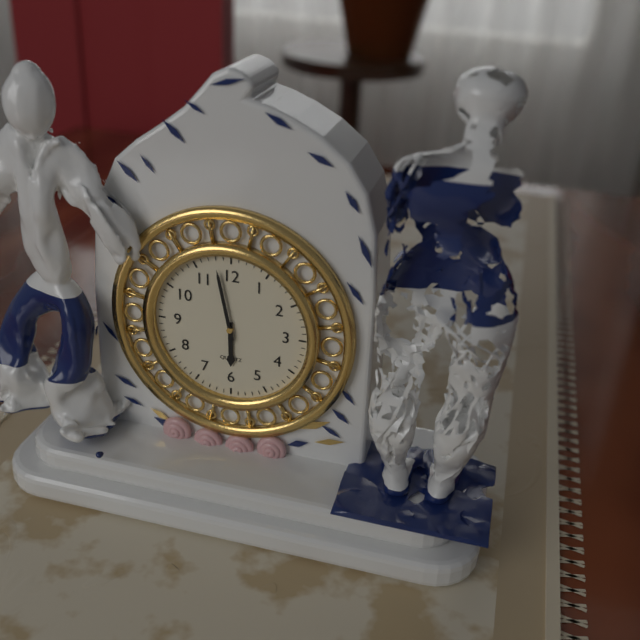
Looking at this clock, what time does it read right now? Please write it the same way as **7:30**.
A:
**5:58**
